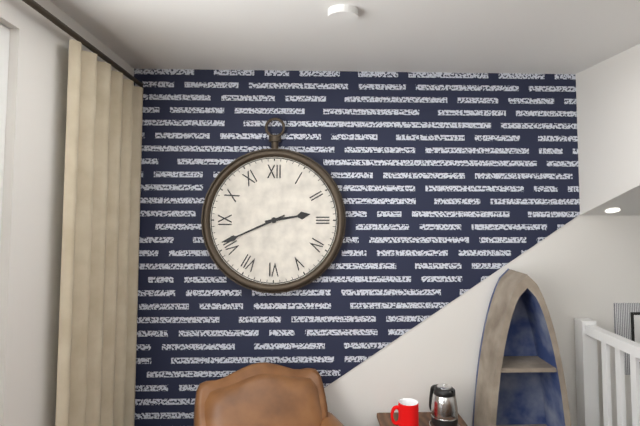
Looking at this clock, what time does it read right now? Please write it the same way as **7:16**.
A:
**2:41**
